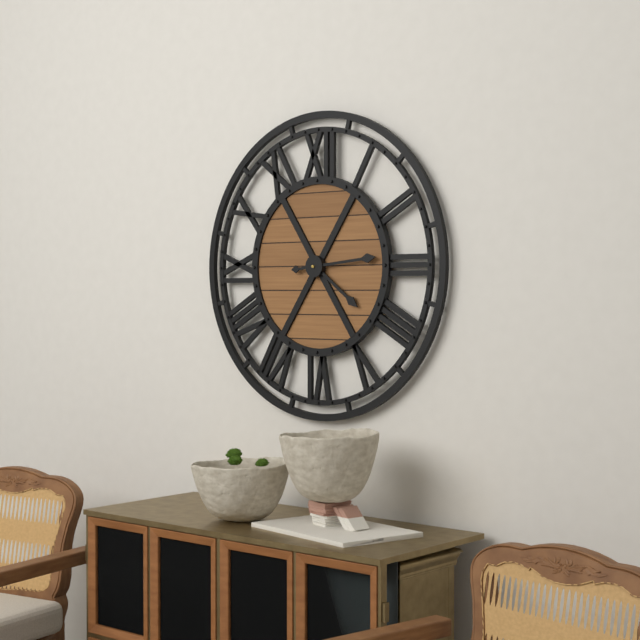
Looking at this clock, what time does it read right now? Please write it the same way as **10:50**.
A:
**4:14**
